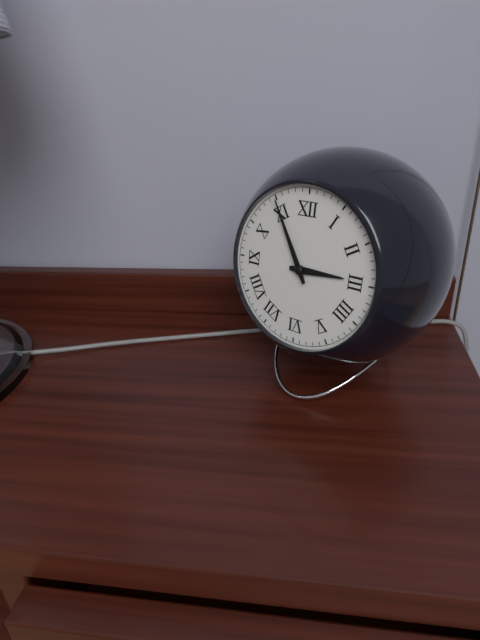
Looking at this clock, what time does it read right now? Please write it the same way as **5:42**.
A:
**2:55**
